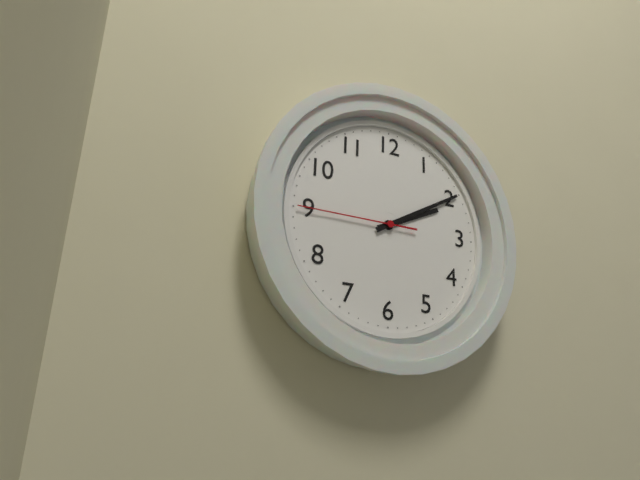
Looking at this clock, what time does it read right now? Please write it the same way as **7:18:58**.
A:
**2:10:45**
